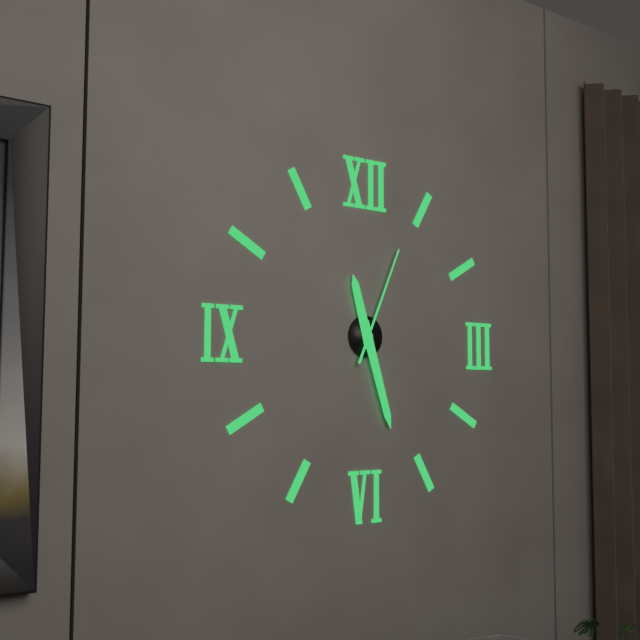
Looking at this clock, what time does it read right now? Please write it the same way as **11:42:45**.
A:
**11:27:04**
